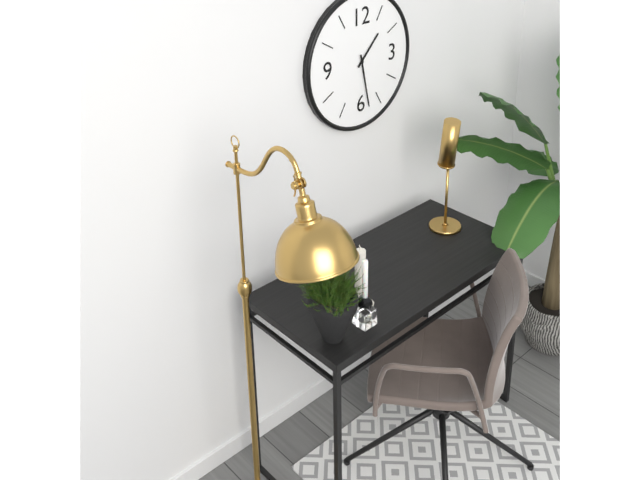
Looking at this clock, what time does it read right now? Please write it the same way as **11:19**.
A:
**1:28**
